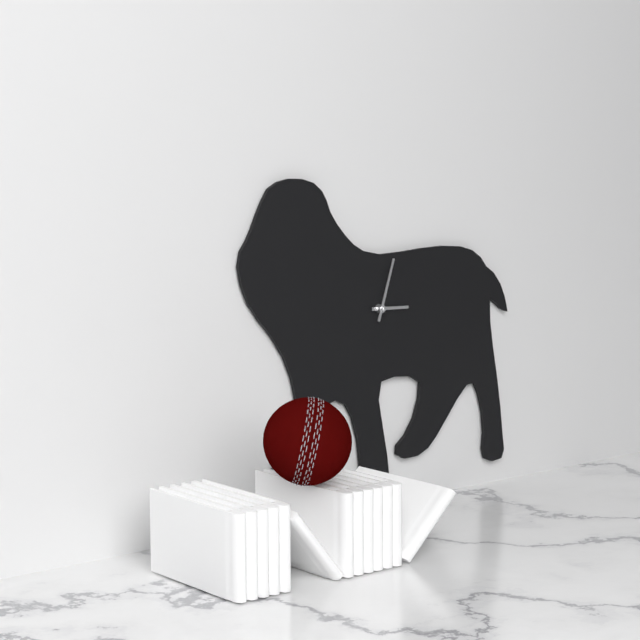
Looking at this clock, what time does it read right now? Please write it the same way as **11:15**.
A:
**3:03**
